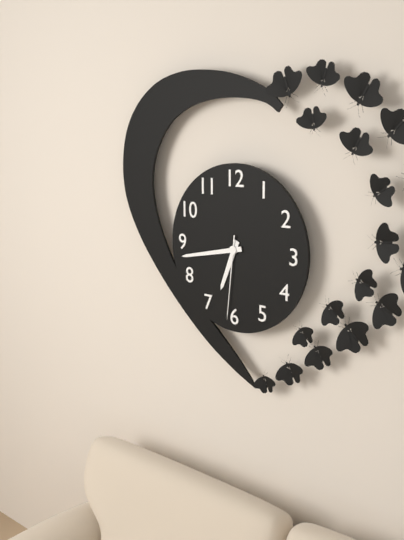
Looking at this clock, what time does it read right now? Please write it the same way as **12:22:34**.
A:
**6:43:31**
